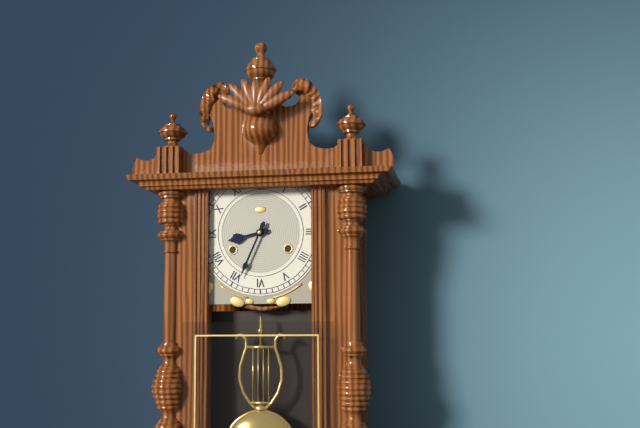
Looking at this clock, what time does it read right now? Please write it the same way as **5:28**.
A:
**8:34**
